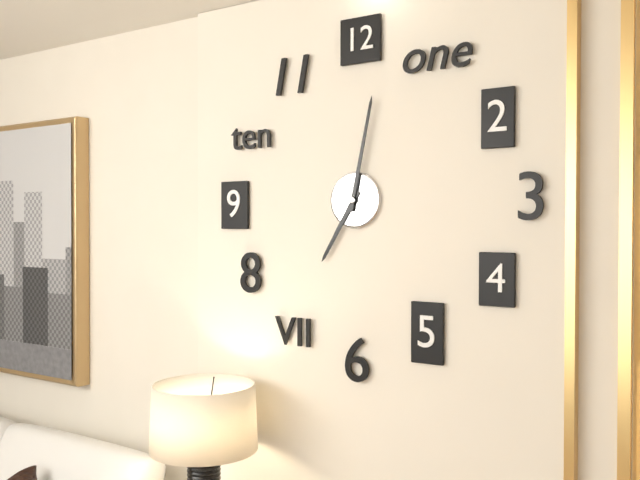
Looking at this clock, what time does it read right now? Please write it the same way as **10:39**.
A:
**7:02**
